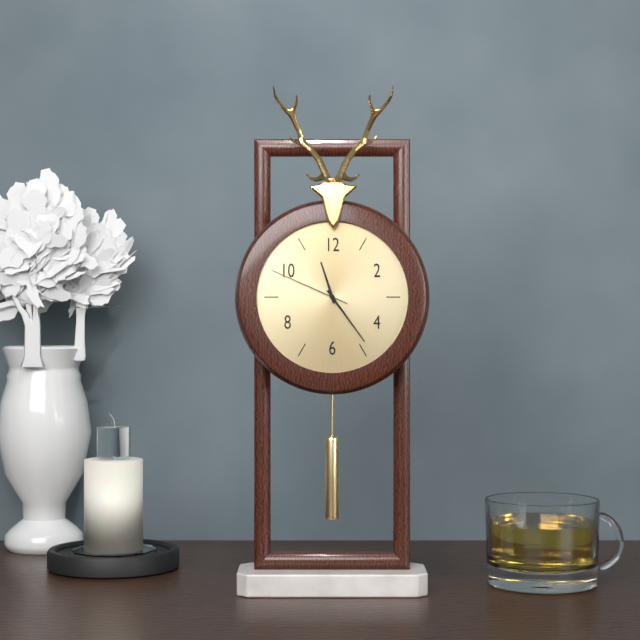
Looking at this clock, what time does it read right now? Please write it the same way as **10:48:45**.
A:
**11:24:49**
